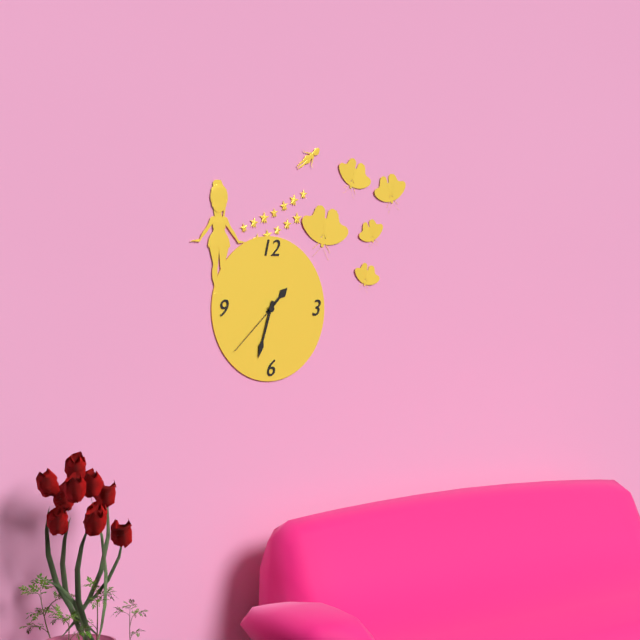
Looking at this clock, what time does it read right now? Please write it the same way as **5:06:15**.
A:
**1:33:38**
